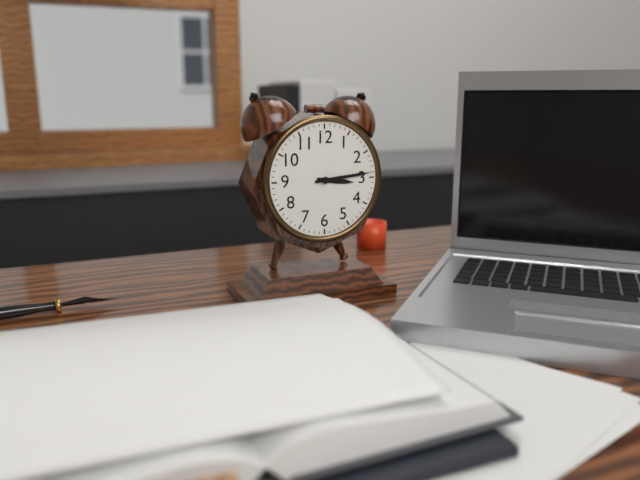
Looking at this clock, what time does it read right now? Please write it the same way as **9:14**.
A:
**3:14**
